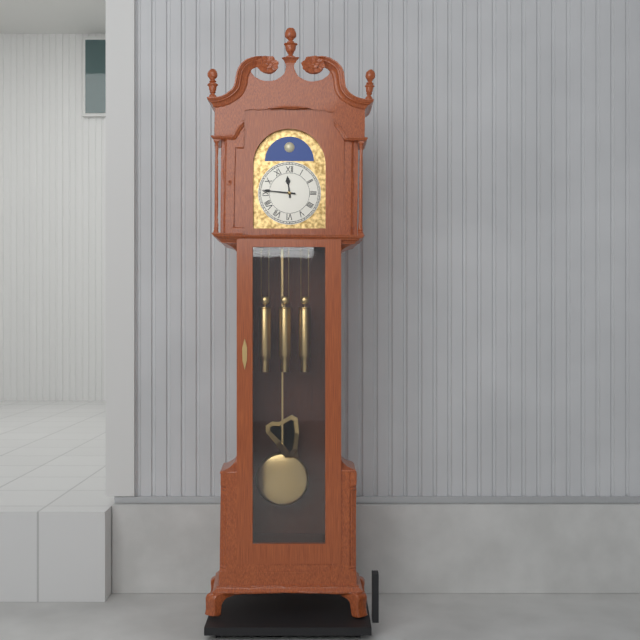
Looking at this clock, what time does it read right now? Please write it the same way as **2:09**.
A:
**11:46**
